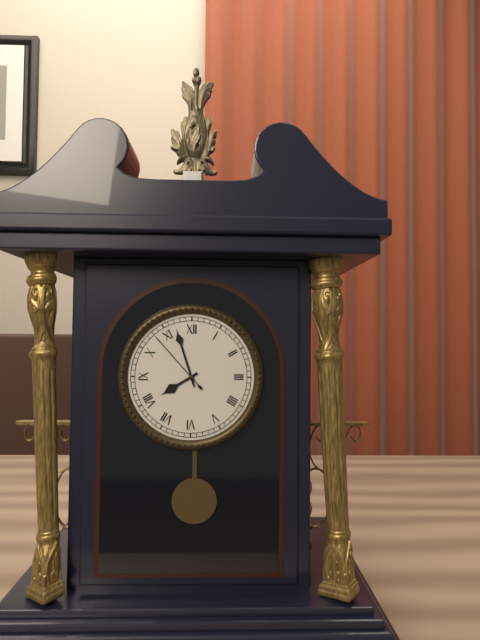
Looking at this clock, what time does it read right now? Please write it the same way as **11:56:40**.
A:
**7:57:53**
